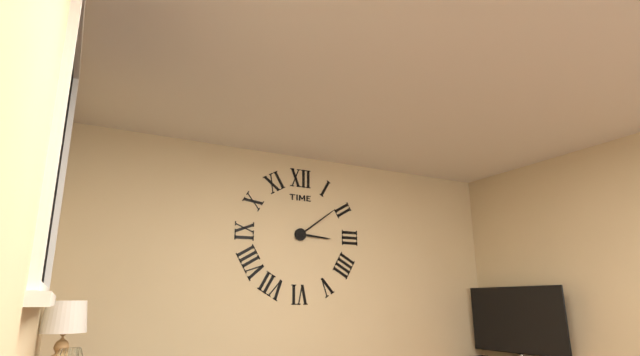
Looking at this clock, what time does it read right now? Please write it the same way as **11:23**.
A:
**3:09**
